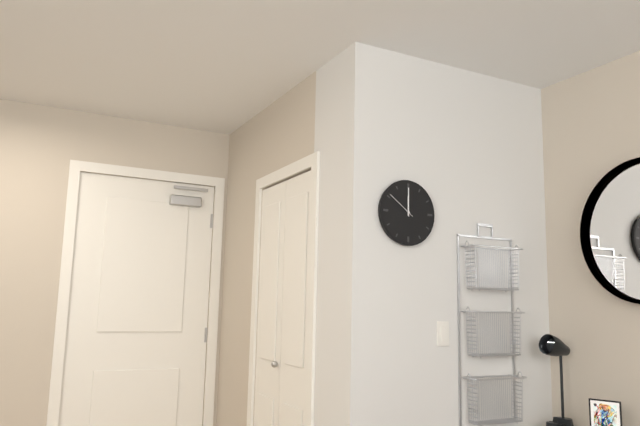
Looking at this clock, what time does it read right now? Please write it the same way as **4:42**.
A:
**12:00**
